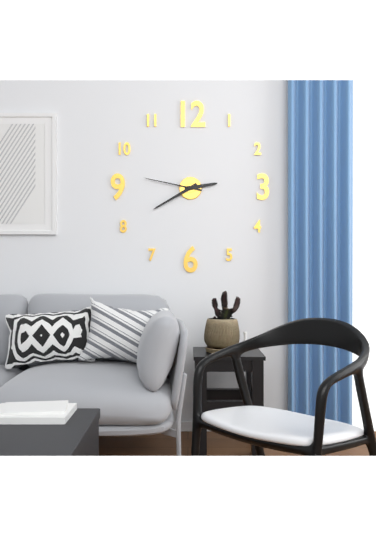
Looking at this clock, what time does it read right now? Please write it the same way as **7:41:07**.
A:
**2:40:47**
